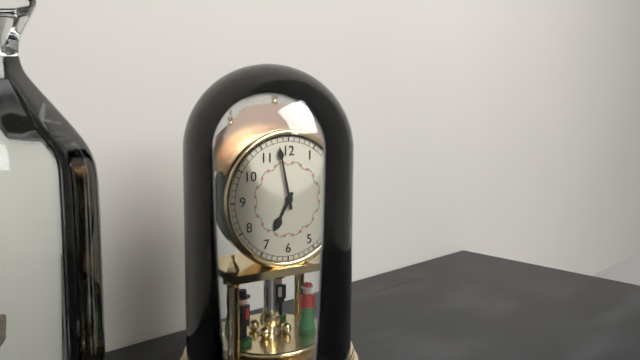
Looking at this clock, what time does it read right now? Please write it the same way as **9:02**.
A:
**6:58**
